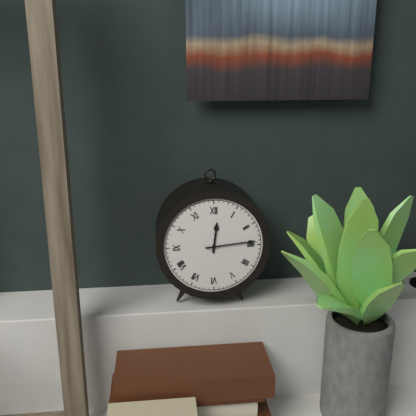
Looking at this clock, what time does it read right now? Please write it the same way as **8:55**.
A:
**12:14**
